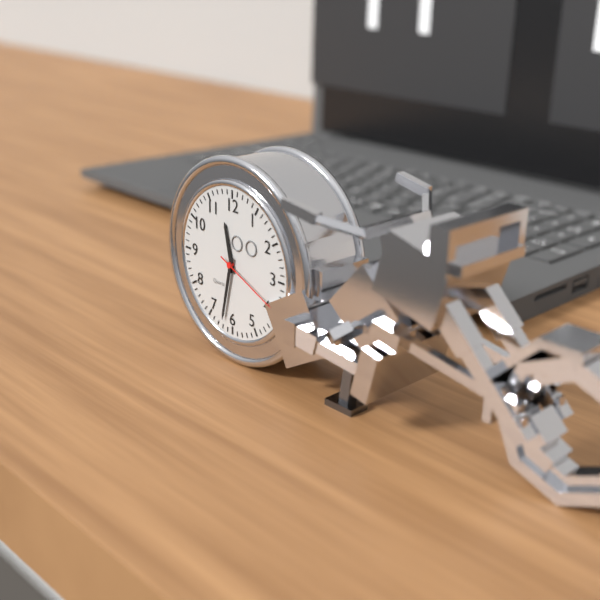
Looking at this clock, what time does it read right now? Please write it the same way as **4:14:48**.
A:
**11:32:19**
